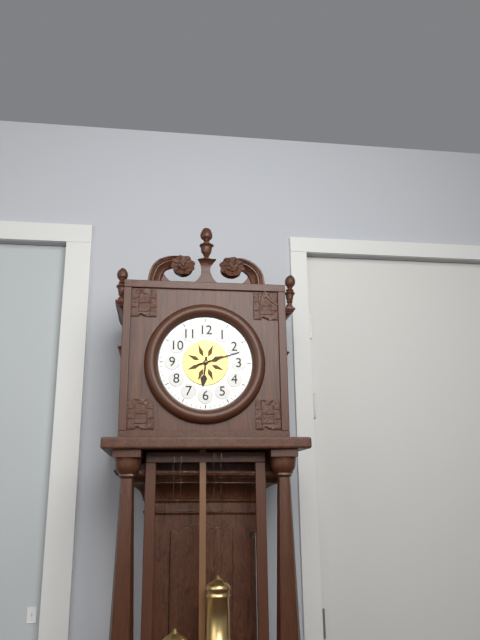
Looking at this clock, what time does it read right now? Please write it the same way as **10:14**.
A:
**6:12**
